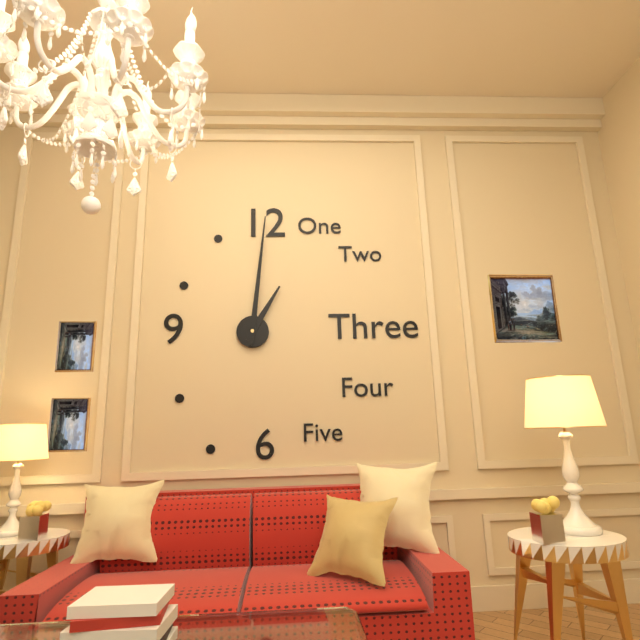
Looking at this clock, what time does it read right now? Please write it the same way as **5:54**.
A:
**1:01**
